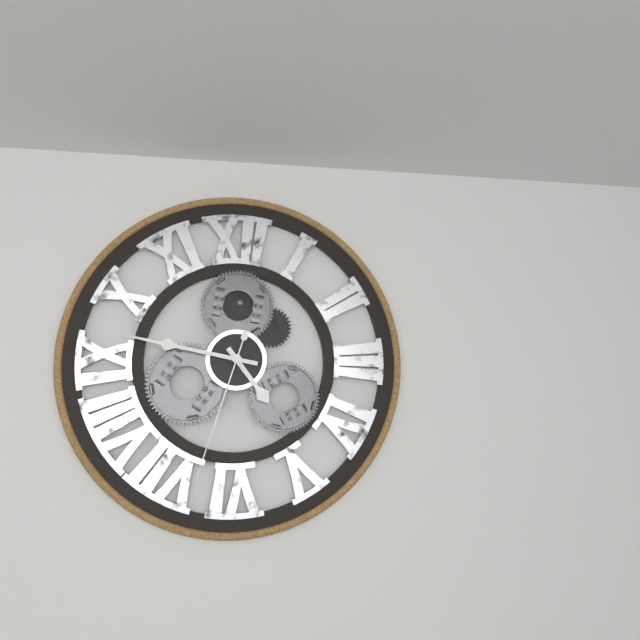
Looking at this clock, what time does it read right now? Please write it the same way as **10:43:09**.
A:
**4:47:33**
